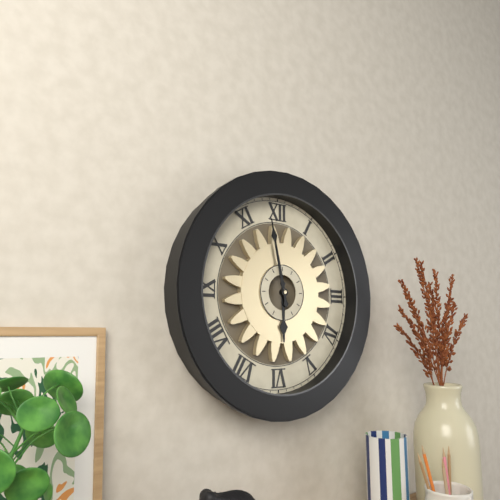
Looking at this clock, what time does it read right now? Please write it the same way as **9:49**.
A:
**5:58**
